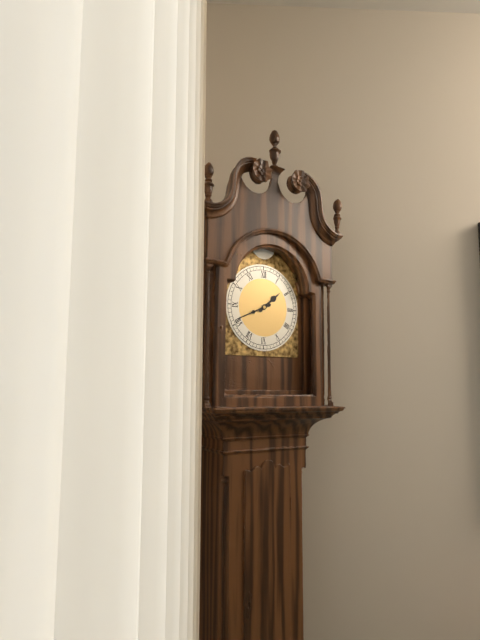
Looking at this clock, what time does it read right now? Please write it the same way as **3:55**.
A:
**1:41**
